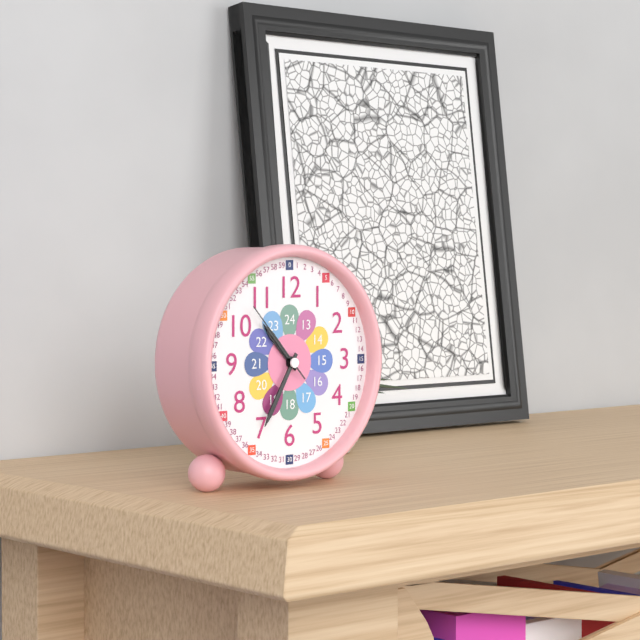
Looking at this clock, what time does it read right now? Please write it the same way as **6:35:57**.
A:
**10:35:53**
